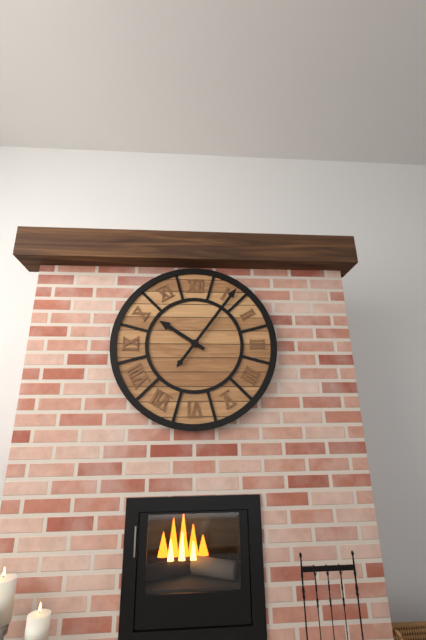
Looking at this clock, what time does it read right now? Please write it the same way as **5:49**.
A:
**10:06**
